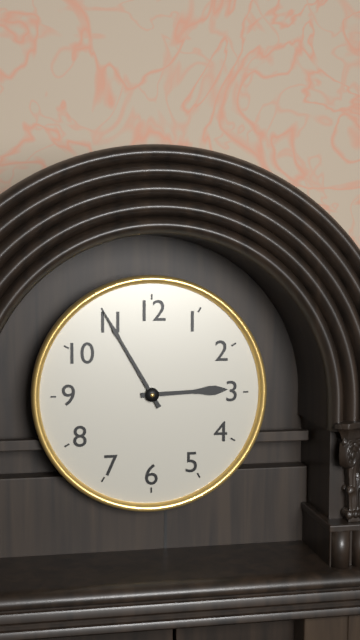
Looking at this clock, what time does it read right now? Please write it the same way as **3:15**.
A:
**2:55**
